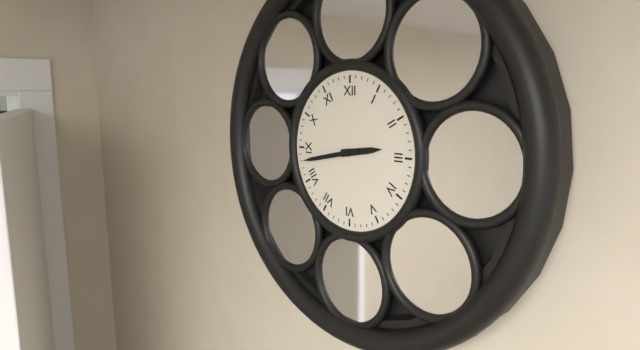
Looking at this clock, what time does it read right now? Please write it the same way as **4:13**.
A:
**2:43**
